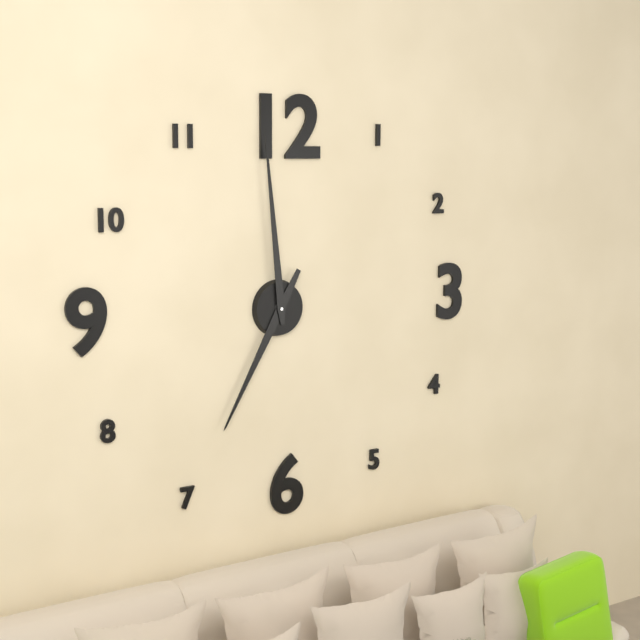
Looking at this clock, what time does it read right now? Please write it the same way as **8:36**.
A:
**6:59**
